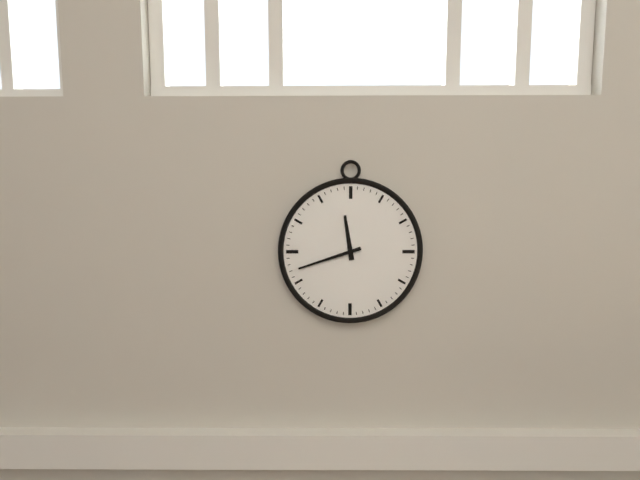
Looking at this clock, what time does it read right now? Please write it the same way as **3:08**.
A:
**11:42**
